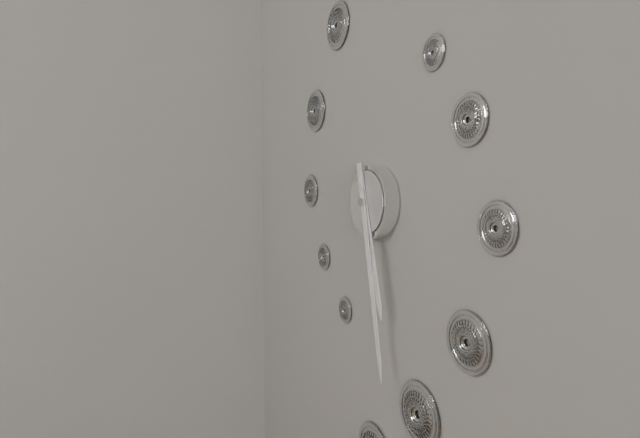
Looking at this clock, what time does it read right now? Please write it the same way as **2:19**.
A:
**5:28**
